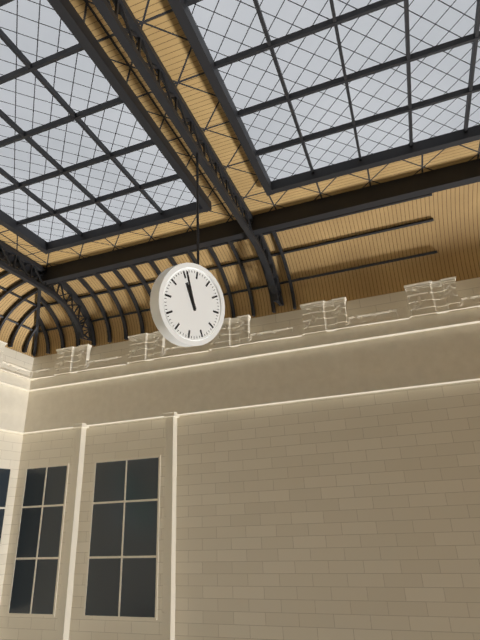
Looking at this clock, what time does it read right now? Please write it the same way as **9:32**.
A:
**10:56**
